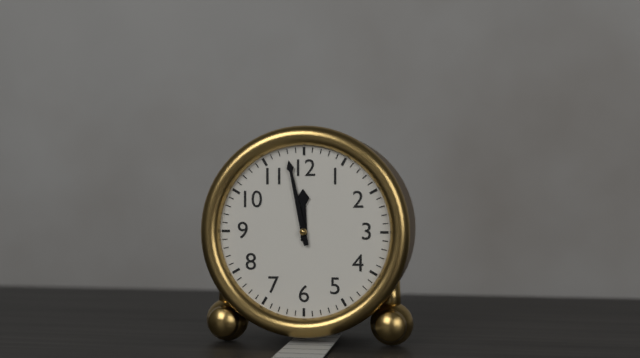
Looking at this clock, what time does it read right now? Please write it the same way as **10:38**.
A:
**11:58**
